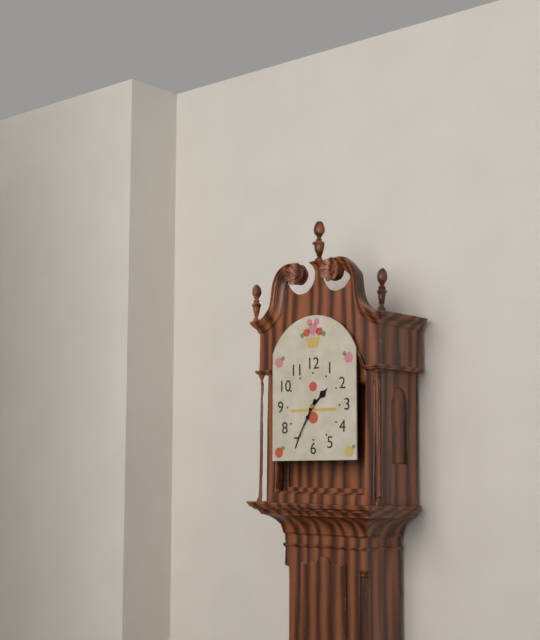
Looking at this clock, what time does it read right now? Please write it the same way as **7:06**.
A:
**1:35**
